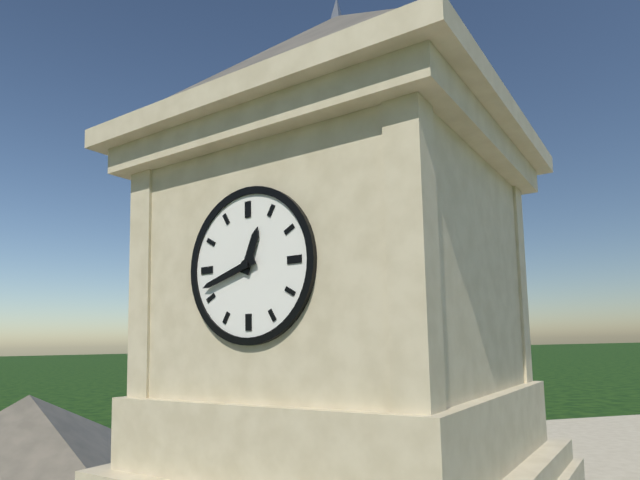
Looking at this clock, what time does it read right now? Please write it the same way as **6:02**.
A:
**12:42**
